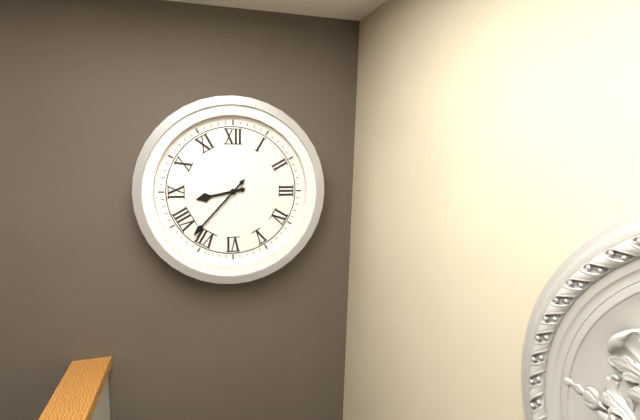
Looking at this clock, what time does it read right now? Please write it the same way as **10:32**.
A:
**8:37**
